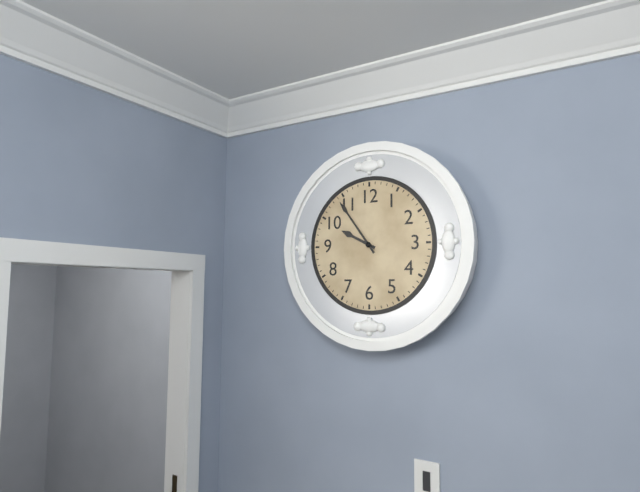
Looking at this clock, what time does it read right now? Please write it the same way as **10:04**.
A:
**9:54**
